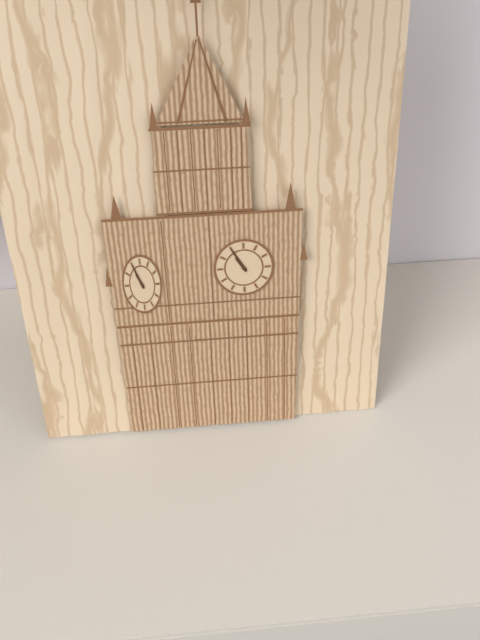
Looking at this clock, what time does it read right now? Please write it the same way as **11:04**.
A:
**10:55**
